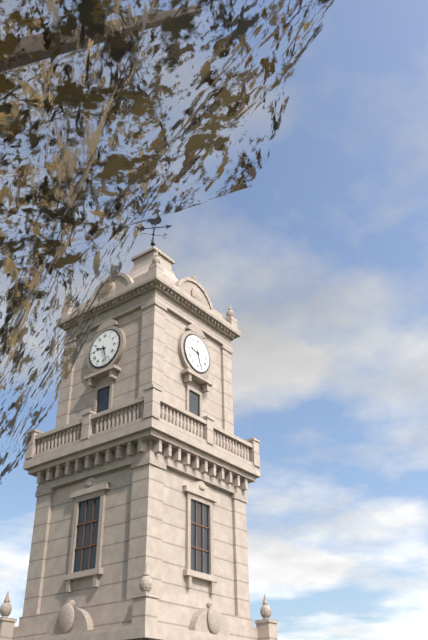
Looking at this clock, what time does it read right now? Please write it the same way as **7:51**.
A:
**9:27**
